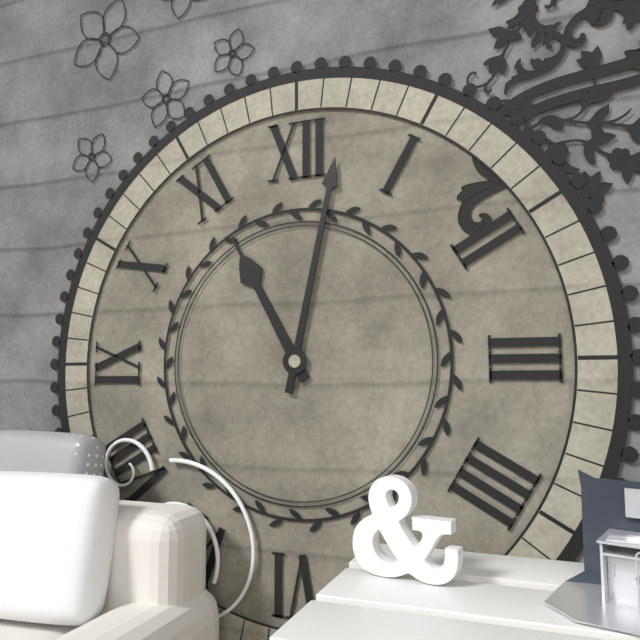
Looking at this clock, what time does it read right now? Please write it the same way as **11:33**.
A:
**11:02**
